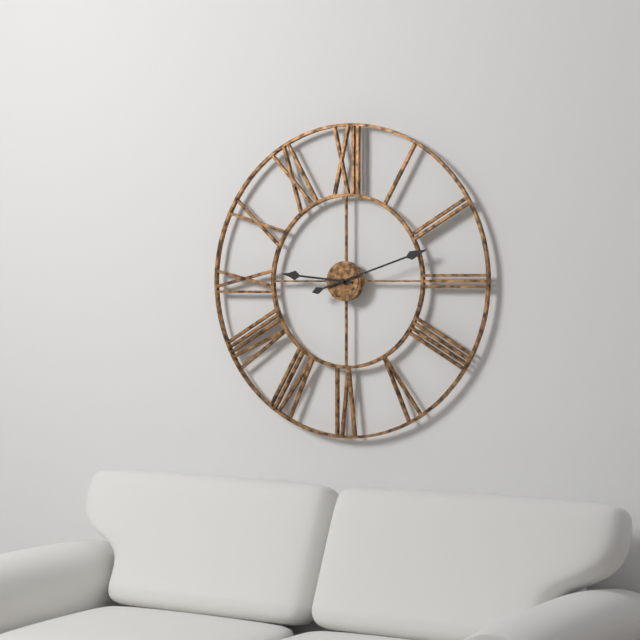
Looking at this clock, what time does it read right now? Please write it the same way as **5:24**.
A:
**9:12**
